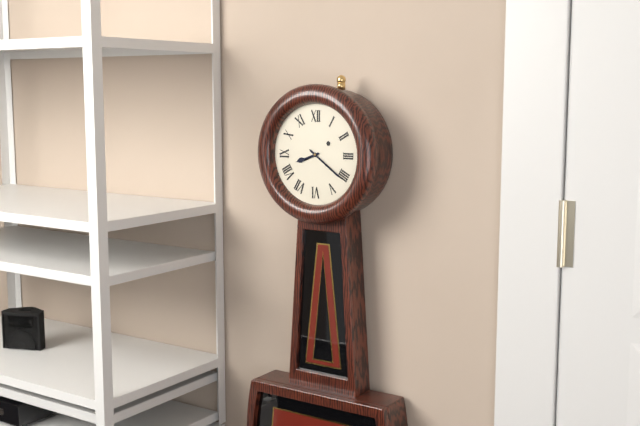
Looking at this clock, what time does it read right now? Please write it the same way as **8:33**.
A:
**8:21**
